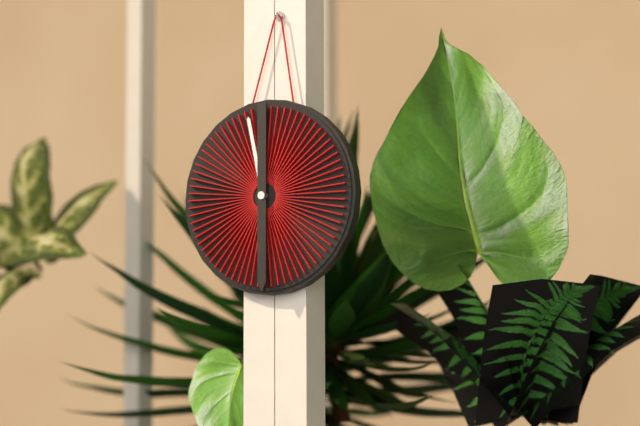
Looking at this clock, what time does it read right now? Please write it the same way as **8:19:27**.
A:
**5:58:30**
